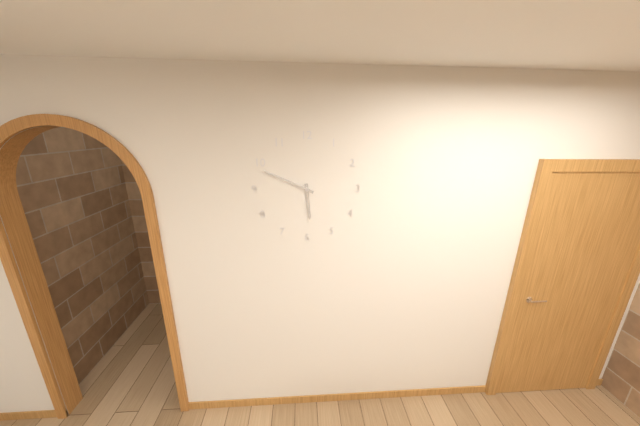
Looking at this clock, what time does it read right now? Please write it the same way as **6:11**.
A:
**5:49**
